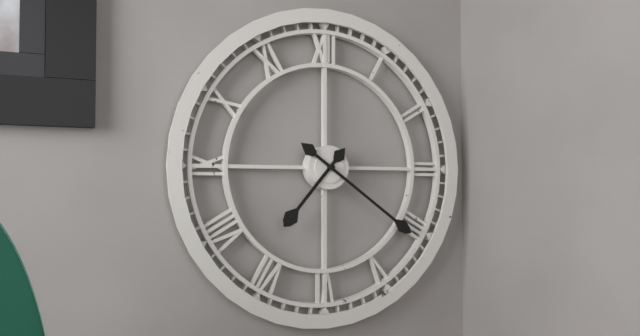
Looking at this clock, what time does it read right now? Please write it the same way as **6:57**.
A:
**7:21**
